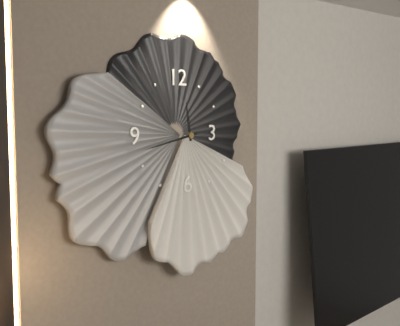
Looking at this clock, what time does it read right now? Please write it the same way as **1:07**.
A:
**11:43**
